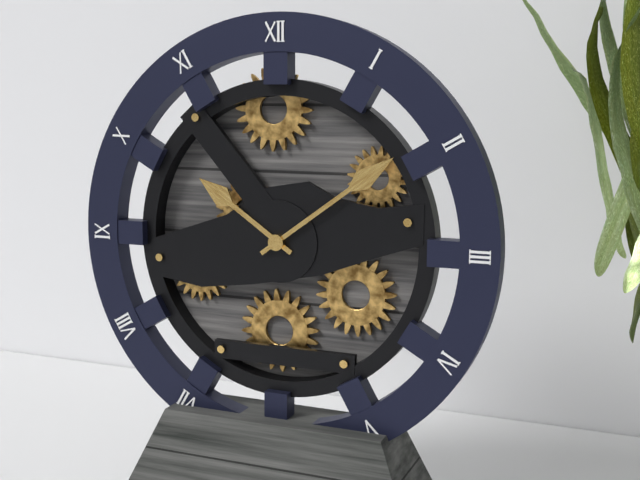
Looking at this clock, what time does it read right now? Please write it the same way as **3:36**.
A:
**10:09**
